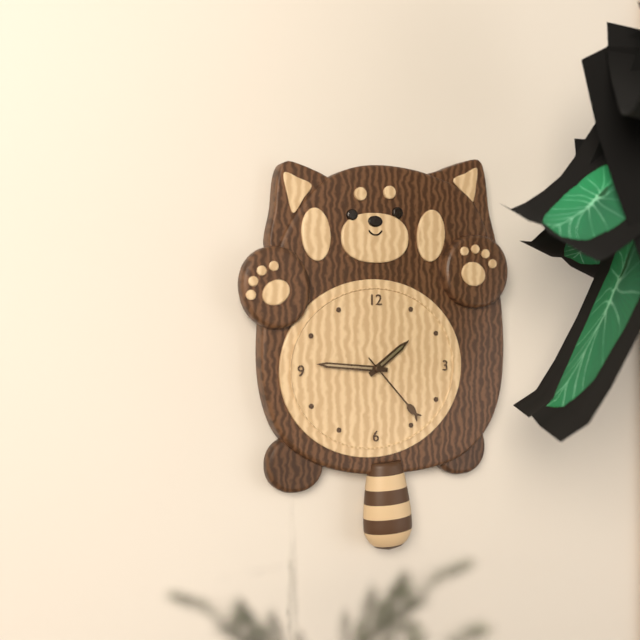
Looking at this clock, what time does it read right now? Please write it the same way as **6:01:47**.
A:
**1:46:23**
